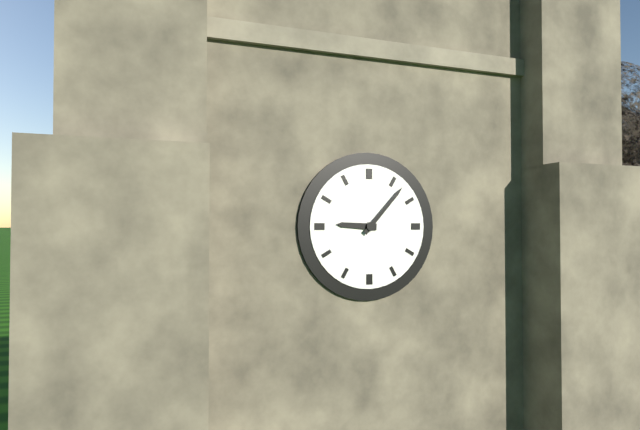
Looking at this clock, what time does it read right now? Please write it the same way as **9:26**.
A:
**9:07**
